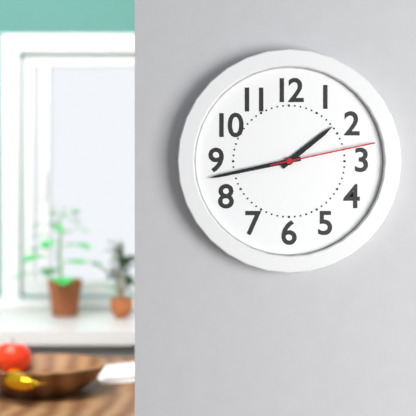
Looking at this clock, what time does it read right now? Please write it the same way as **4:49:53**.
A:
**1:43:13**
